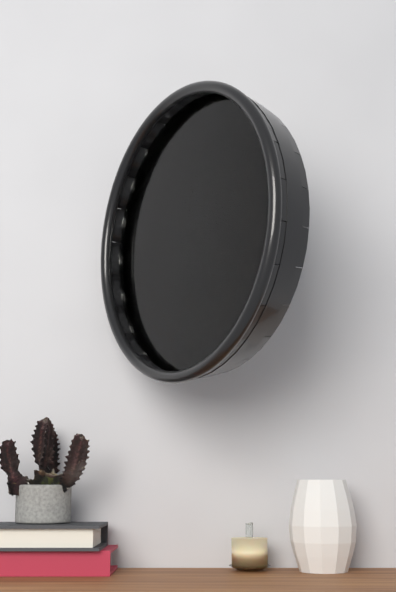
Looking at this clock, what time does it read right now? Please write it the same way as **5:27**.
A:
**6:06**
